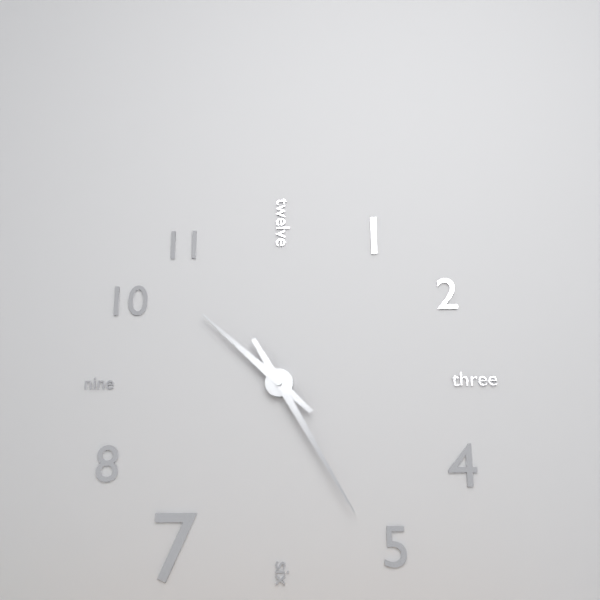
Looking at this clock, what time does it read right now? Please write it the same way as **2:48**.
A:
**10:25**
